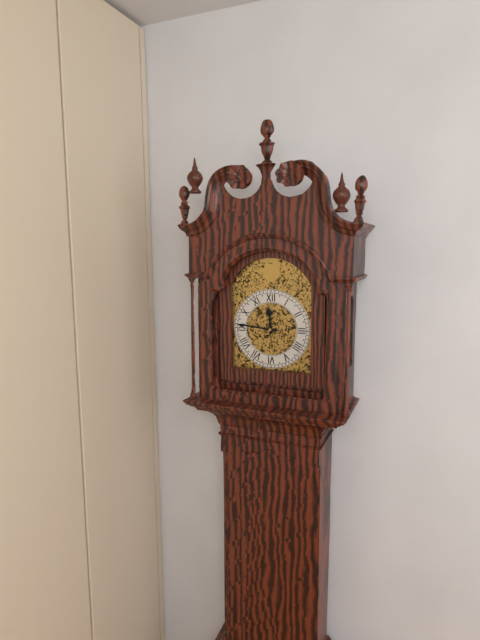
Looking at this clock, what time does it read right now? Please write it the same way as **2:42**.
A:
**11:46**
